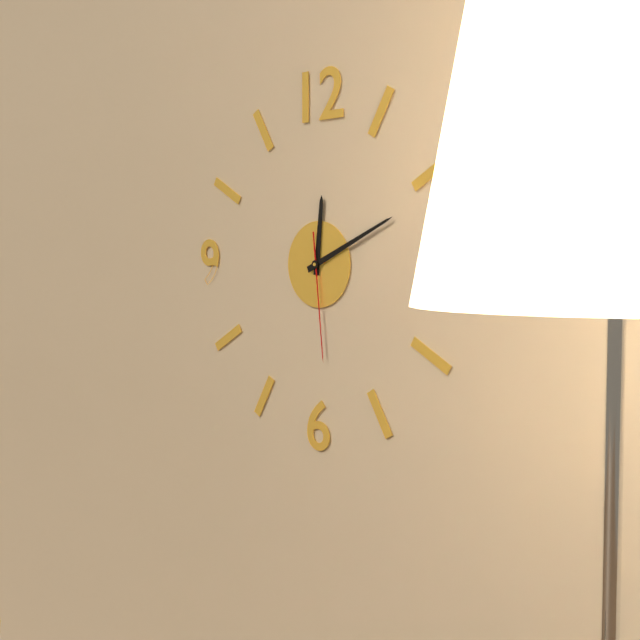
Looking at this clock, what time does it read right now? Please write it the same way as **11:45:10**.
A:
**12:11:29**
